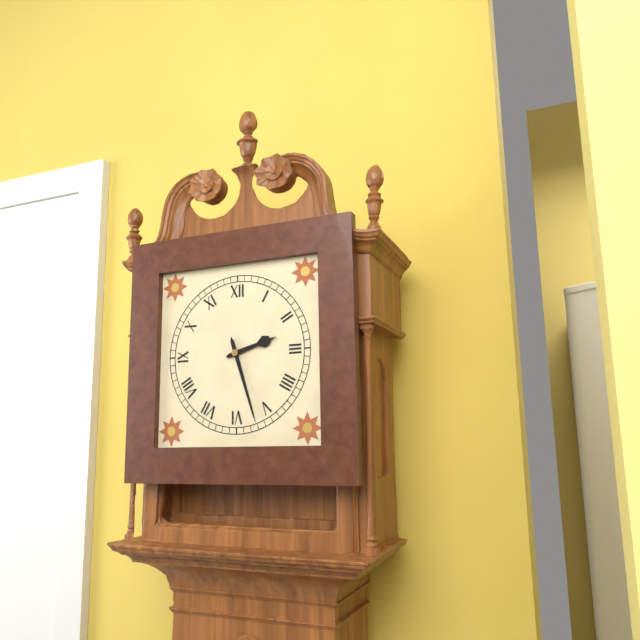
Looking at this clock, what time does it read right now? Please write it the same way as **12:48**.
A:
**2:27**
